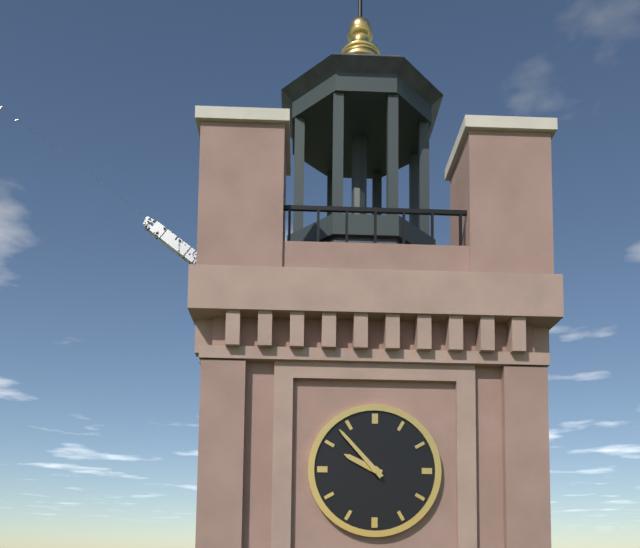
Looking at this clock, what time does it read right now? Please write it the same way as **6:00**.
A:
**9:53**
